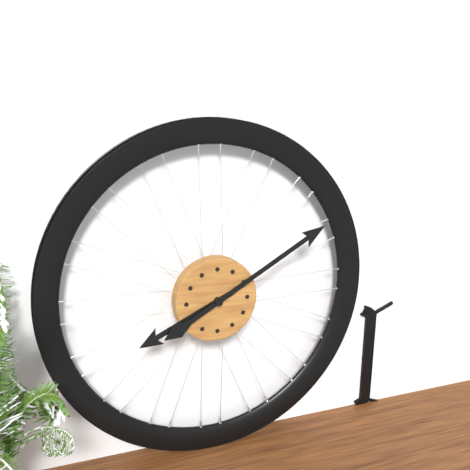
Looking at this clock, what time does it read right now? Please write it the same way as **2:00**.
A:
**8:10**
